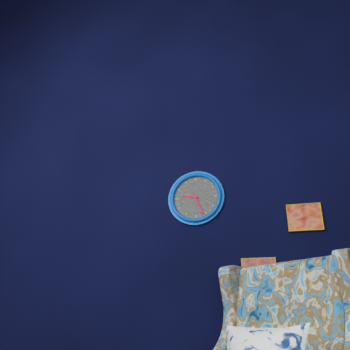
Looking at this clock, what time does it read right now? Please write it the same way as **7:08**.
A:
**9:26**
